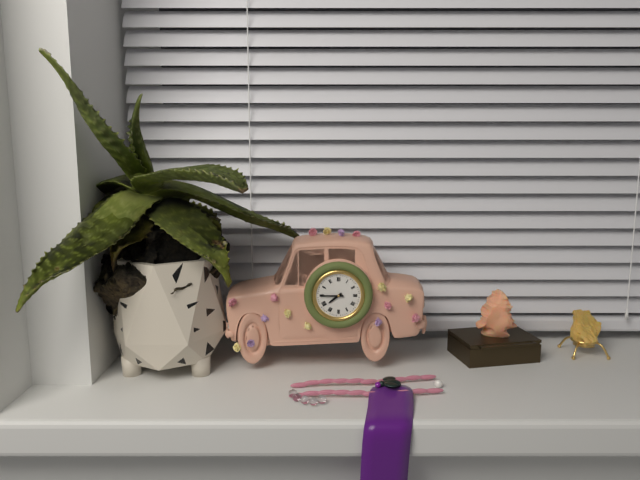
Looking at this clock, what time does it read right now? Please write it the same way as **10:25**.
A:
**7:45**
